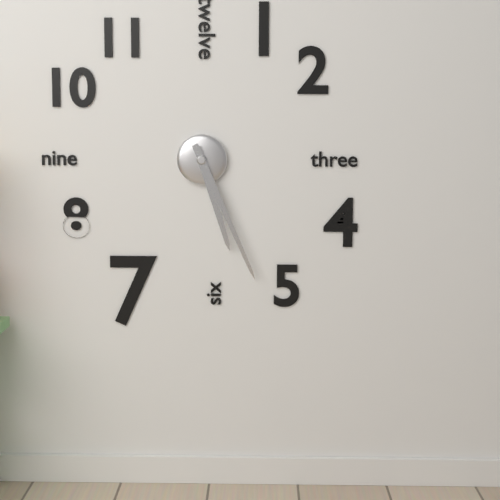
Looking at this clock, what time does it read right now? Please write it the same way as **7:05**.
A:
**5:26**
